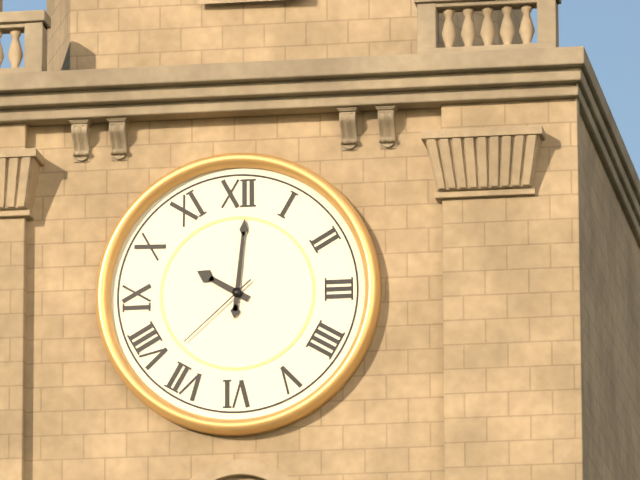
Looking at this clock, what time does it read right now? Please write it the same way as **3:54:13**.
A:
**10:01:38**
